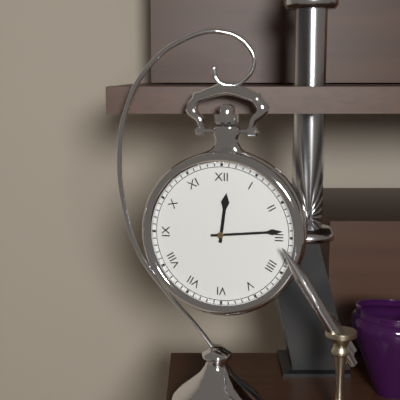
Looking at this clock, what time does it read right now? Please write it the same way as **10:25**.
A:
**12:14**
